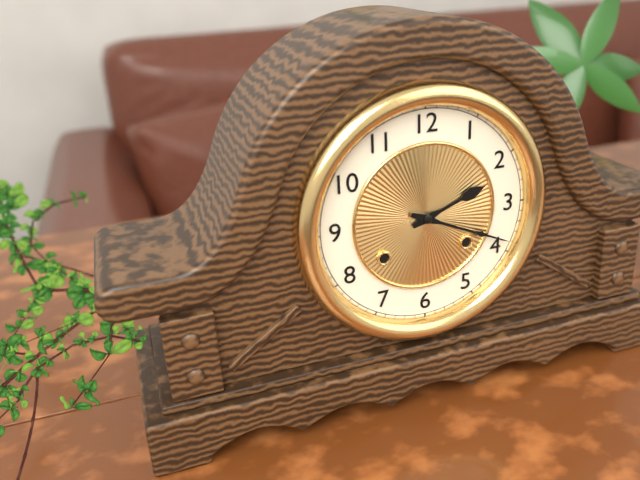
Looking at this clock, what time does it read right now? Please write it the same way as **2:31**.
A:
**2:19**
